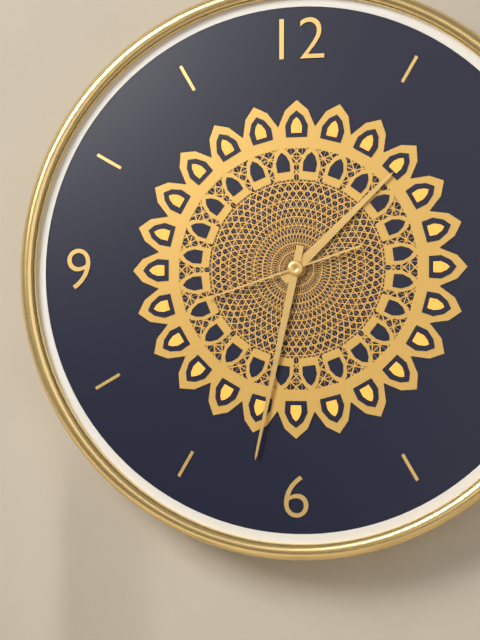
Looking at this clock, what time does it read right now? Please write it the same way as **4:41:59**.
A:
**1:32:42**
